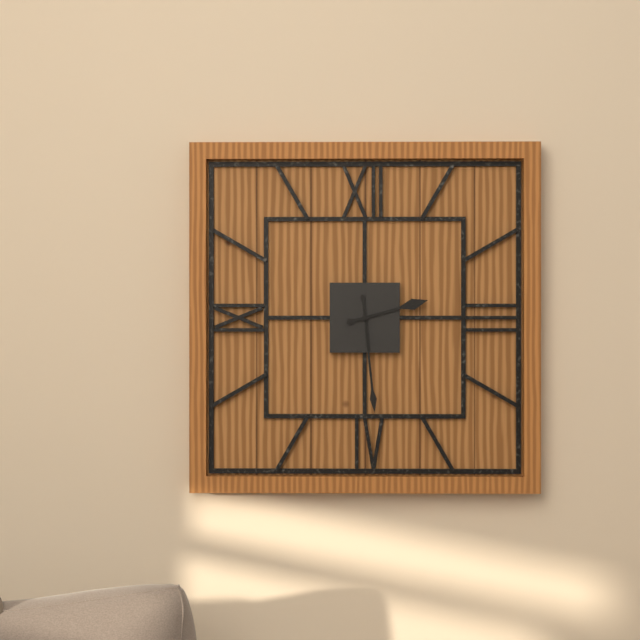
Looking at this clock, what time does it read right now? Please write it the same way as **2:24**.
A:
**2:29**
